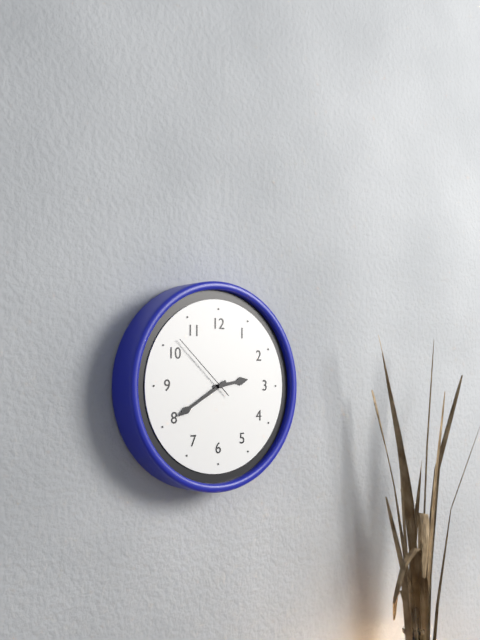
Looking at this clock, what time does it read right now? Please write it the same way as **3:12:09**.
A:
**2:40:52**
